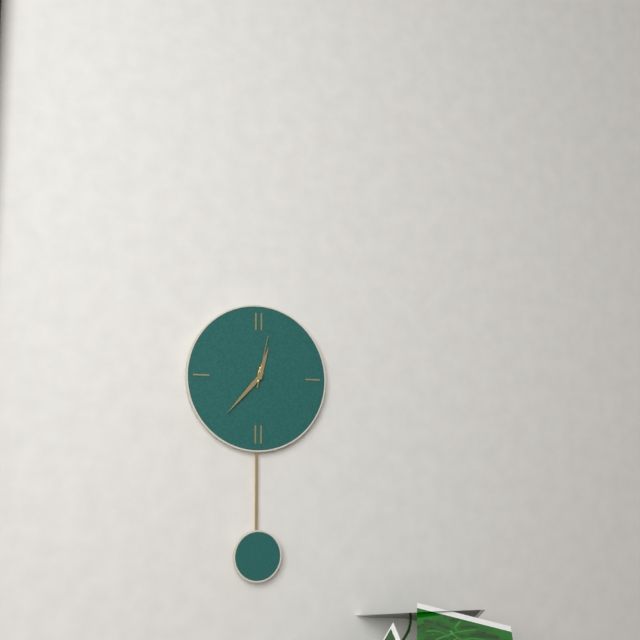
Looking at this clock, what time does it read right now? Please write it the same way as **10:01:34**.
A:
**12:37:02**
